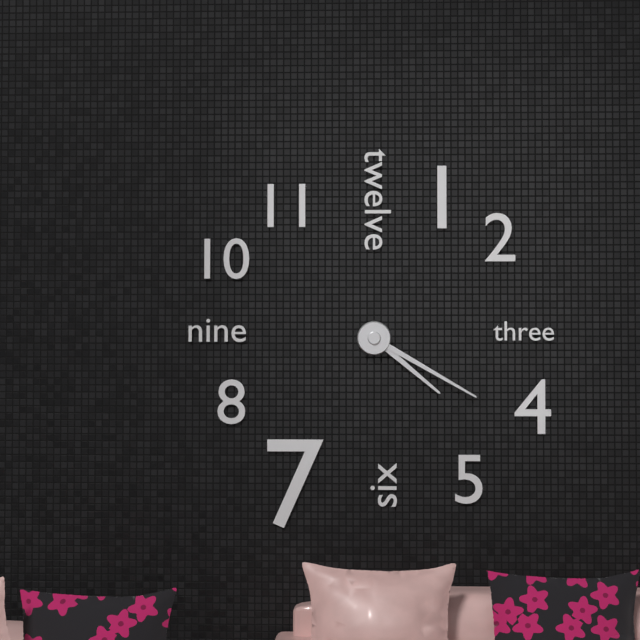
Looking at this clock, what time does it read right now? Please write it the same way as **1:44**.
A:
**4:20**
